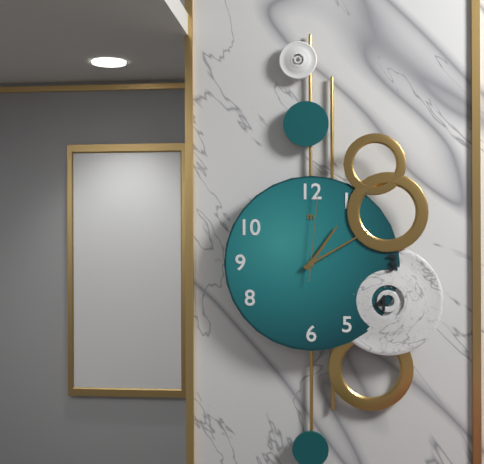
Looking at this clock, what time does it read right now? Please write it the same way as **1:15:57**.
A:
**1:10:01**
